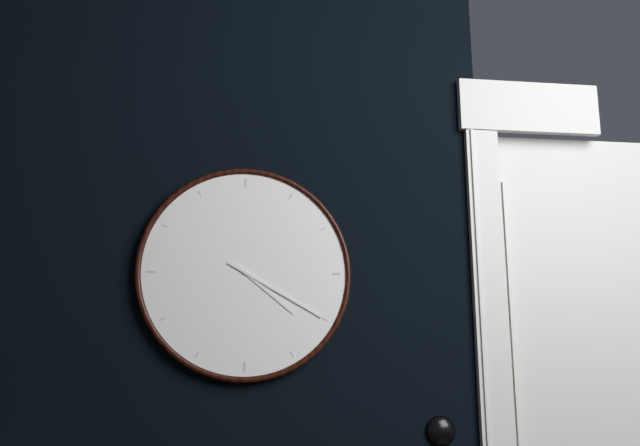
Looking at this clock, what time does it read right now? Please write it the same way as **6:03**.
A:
**4:20**
